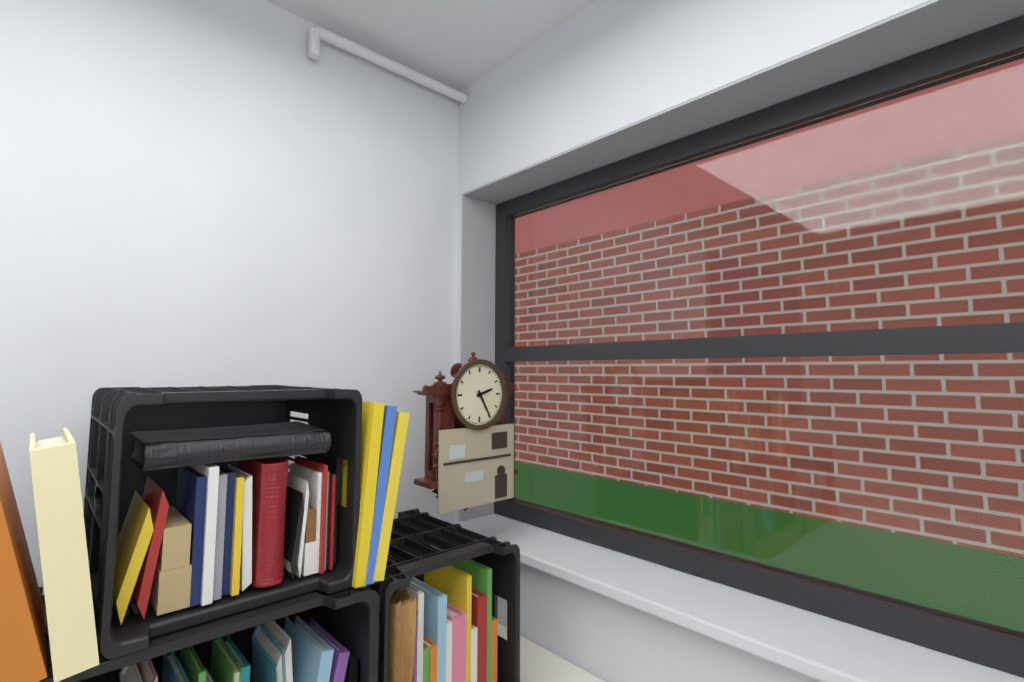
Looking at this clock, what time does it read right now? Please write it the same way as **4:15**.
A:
**2:25**
